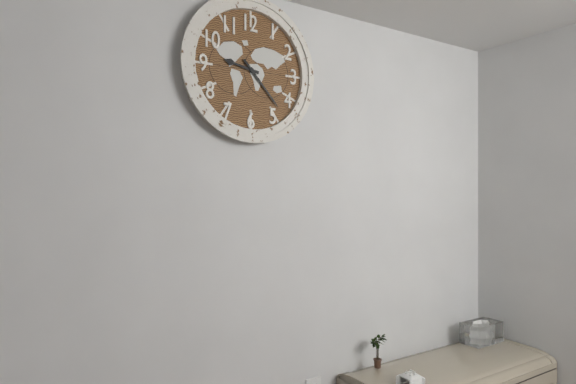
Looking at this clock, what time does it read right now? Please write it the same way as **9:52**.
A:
**9:23**
